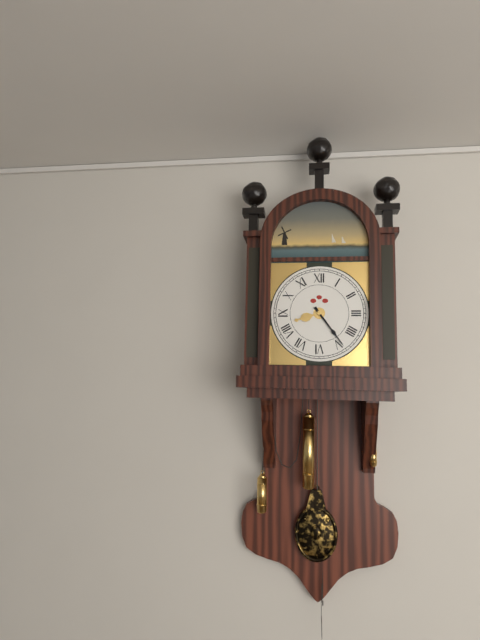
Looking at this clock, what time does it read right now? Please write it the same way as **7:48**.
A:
**8:24**
